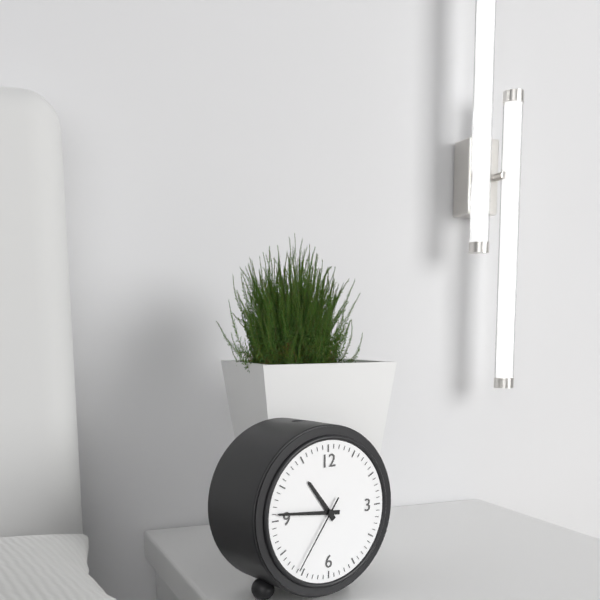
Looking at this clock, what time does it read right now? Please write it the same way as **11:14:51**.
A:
**10:46:36**
